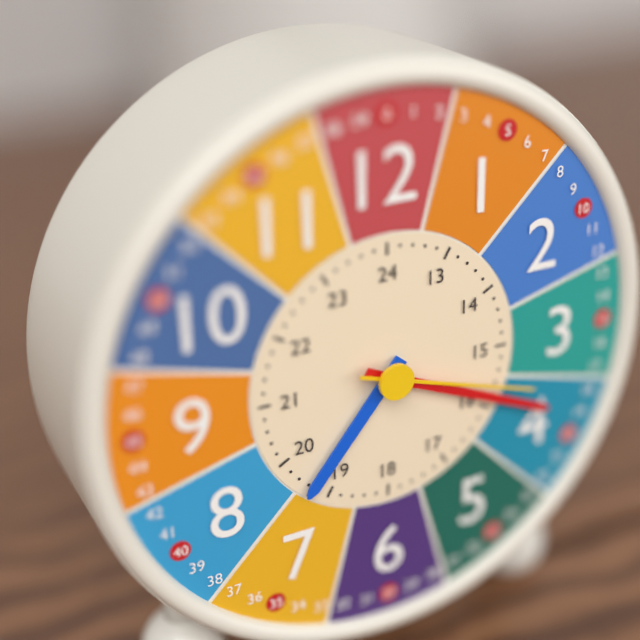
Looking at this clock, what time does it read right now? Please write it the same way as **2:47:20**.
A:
**7:19:18**
